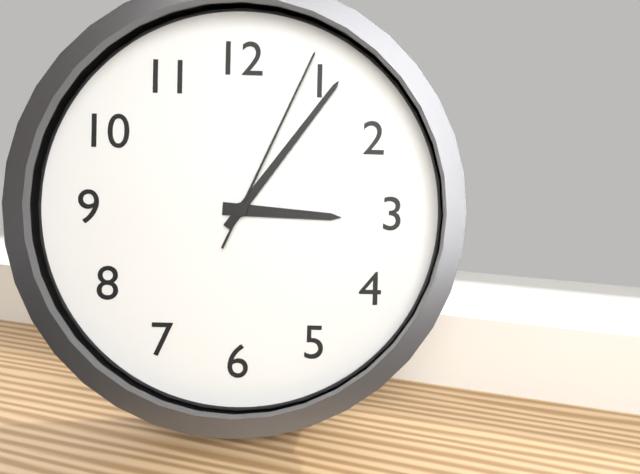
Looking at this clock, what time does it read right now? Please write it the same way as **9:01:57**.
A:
**3:06:04**
